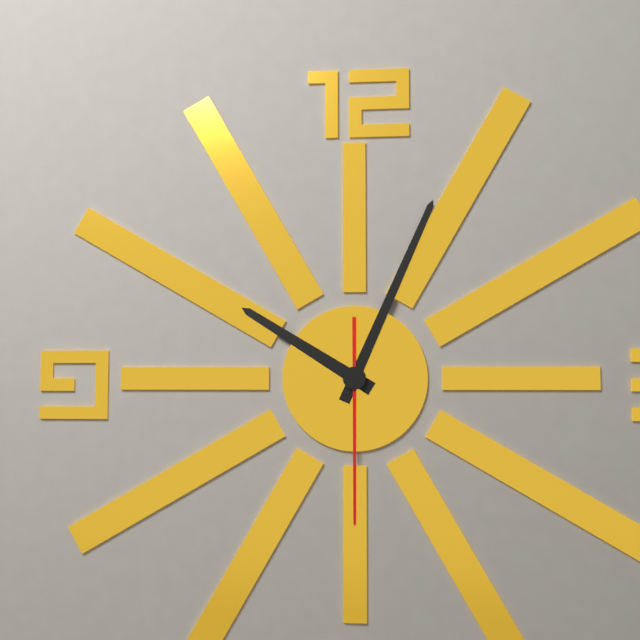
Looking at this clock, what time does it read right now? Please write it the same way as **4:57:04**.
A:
**10:04:30**
